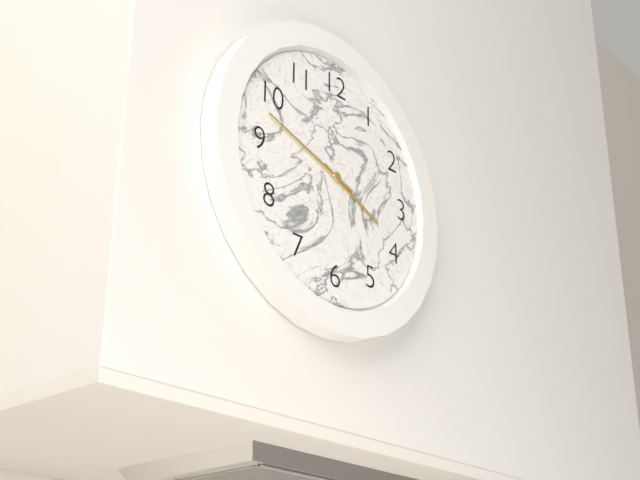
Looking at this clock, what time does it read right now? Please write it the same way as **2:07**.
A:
**3:48**
